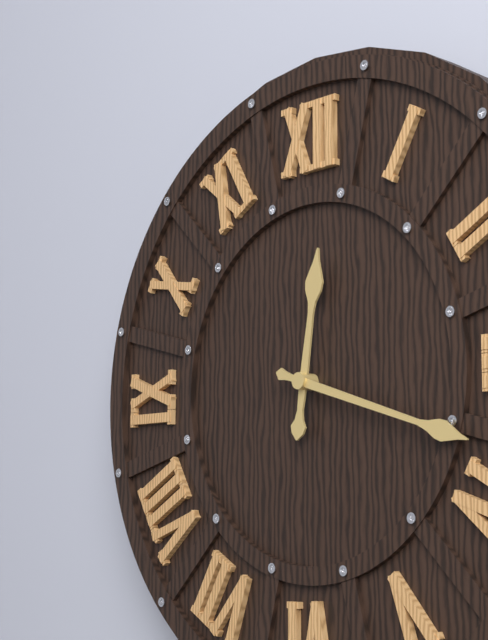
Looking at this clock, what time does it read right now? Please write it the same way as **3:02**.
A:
**12:18**
